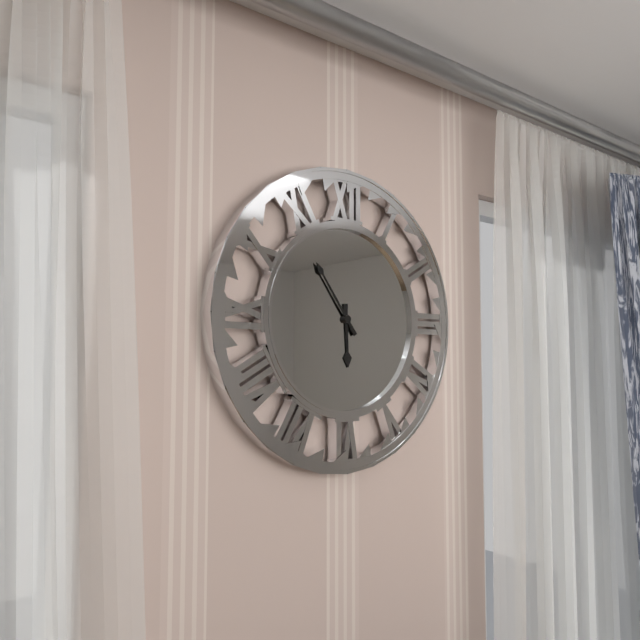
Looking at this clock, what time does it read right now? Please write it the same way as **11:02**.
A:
**5:54**
